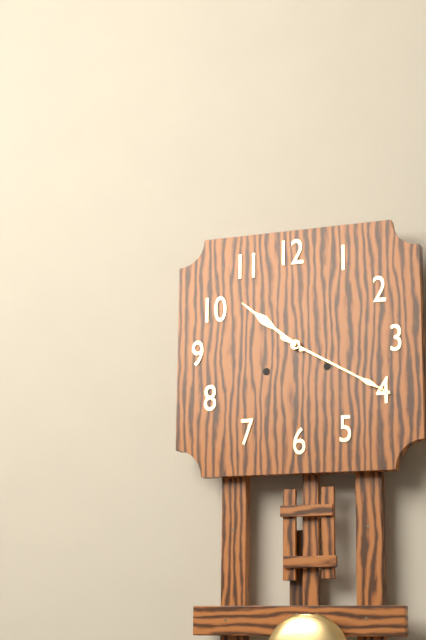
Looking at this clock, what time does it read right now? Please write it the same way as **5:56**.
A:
**10:20**
